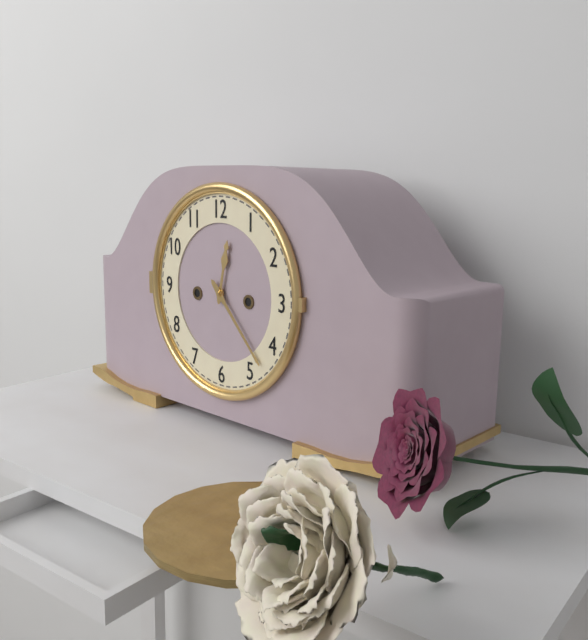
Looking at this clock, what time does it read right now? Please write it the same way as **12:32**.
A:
**12:23**
